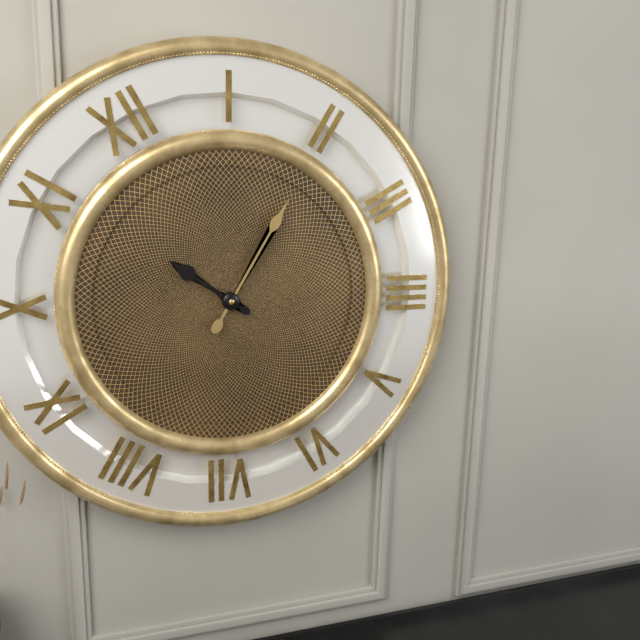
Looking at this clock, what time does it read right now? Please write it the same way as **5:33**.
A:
**11:10**
